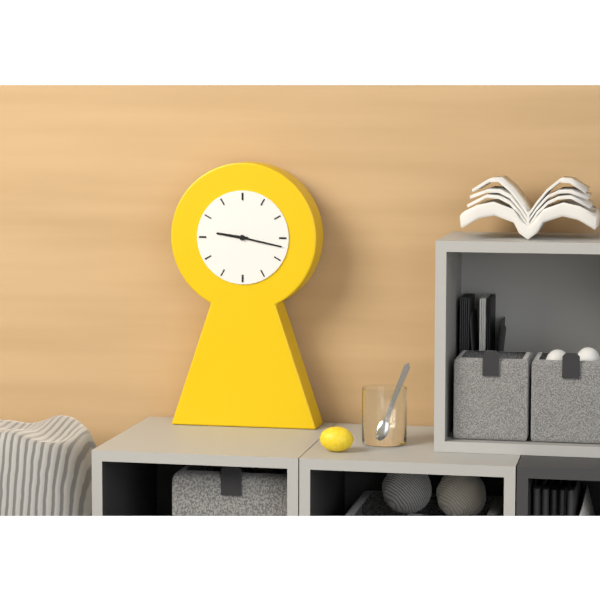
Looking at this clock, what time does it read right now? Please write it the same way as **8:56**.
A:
**9:17**
